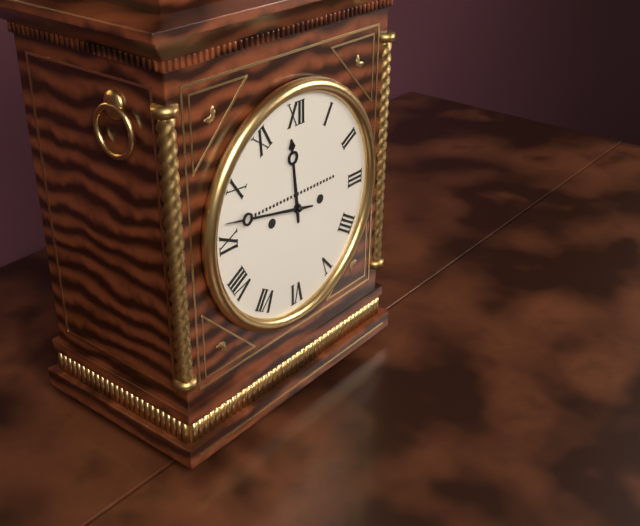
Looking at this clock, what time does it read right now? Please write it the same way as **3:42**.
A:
**11:47**
